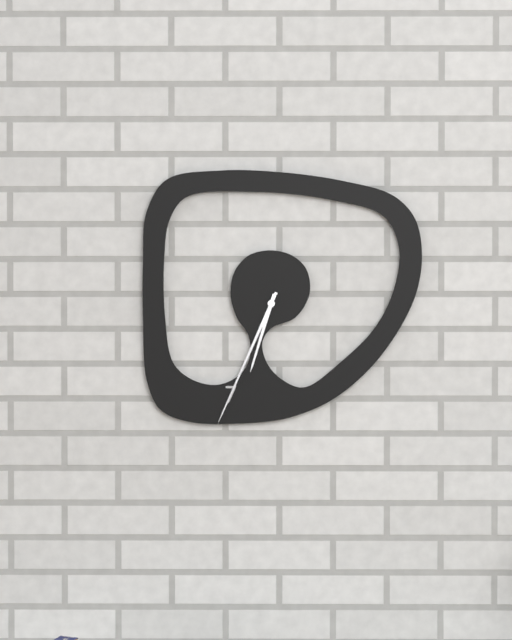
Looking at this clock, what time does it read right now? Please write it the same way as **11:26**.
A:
**6:34**
